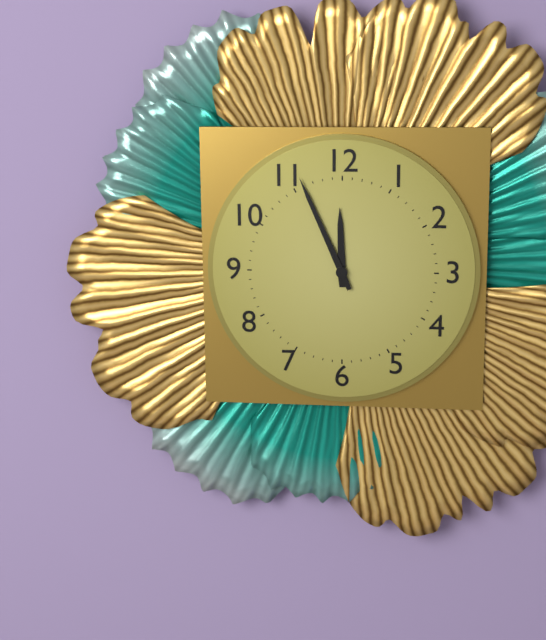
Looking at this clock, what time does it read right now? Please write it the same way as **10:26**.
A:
**11:56**
